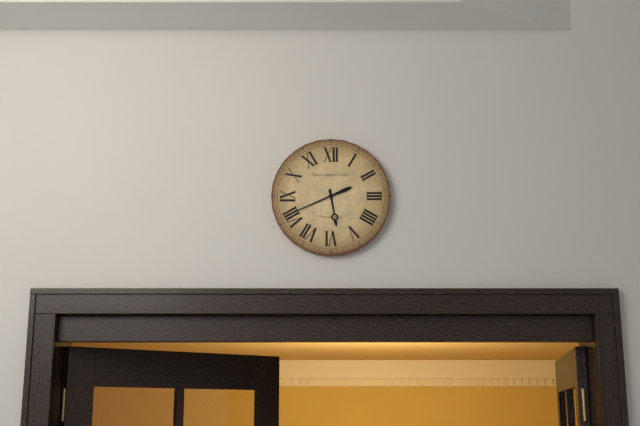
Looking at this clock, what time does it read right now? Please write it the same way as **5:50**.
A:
**5:41**
